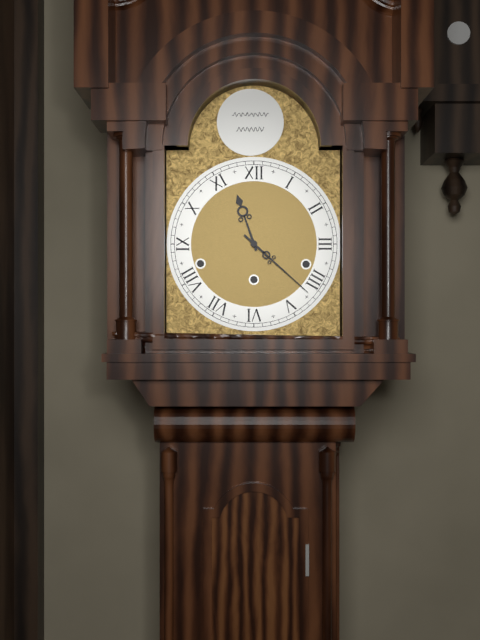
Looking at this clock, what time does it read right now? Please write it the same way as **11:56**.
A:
**11:22**
